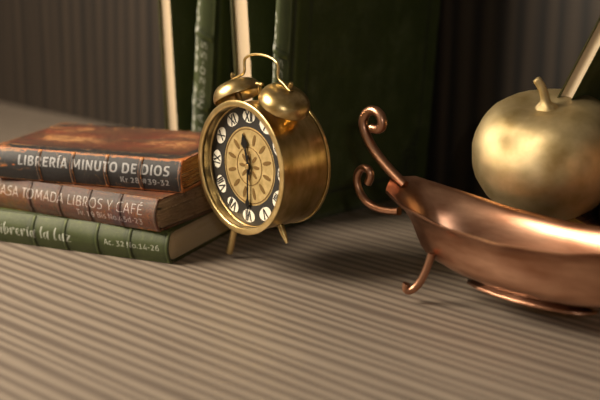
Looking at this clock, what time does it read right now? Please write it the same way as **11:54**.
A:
**11:30**
